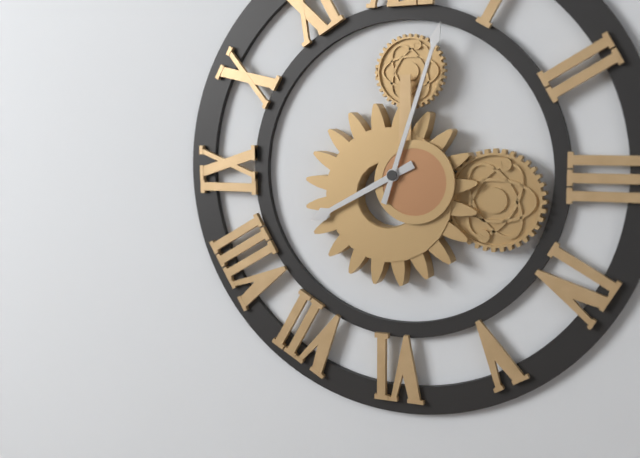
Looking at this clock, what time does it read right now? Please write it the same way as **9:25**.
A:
**8:03**
